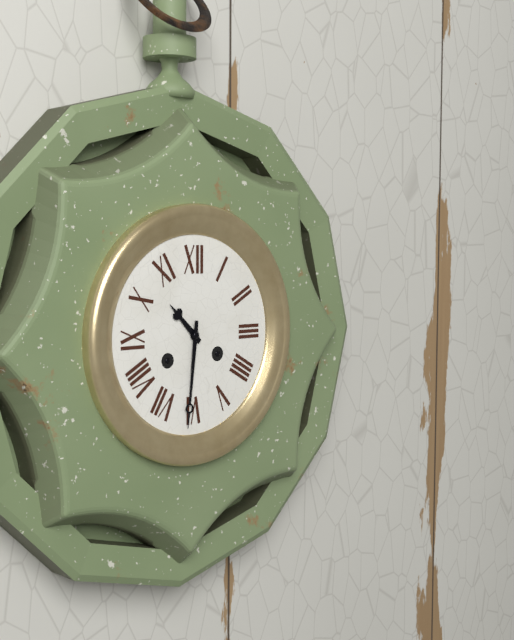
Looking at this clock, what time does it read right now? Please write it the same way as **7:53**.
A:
**10:31**
